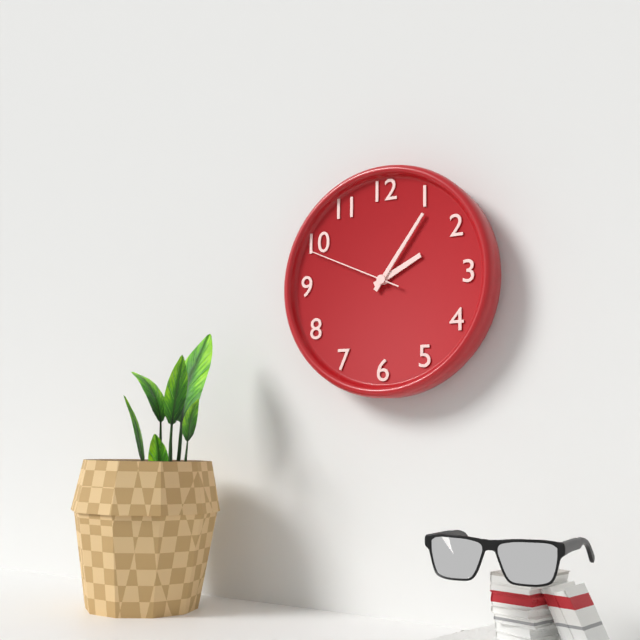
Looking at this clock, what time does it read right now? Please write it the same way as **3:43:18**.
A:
**2:06:49**
